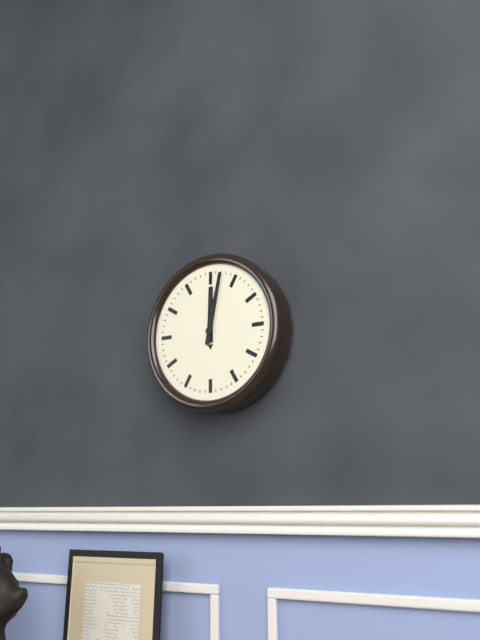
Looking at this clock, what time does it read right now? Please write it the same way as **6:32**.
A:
**12:02**
